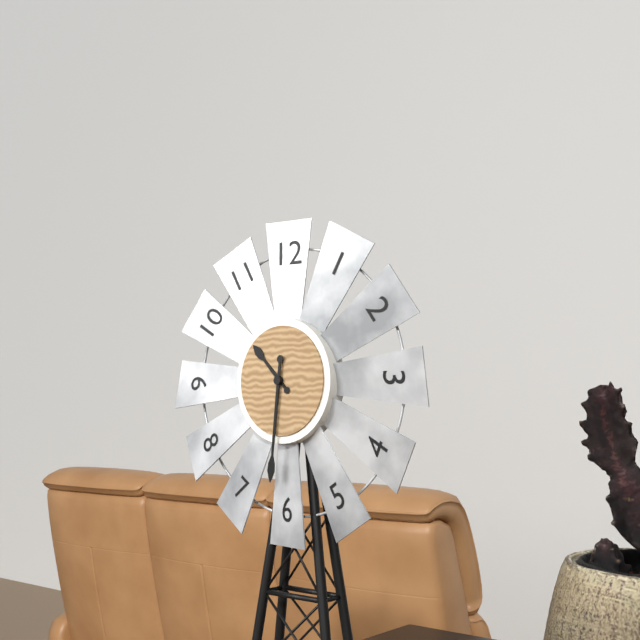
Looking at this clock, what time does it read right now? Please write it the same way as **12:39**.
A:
**10:31**
